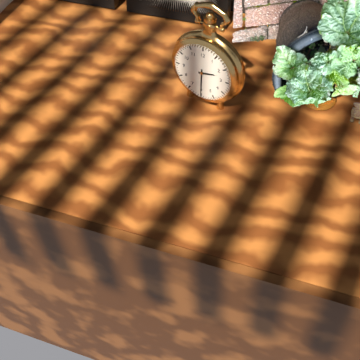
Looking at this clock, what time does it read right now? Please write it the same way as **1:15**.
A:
**2:30**
